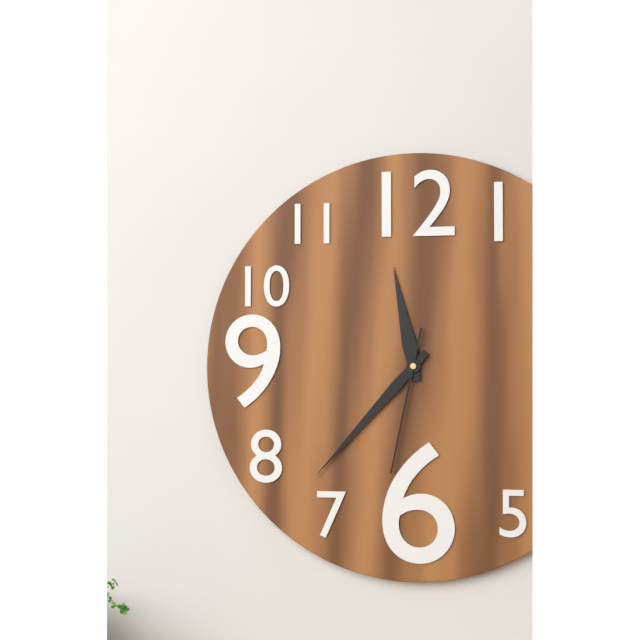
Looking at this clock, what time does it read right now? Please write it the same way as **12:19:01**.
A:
**11:37:32**
